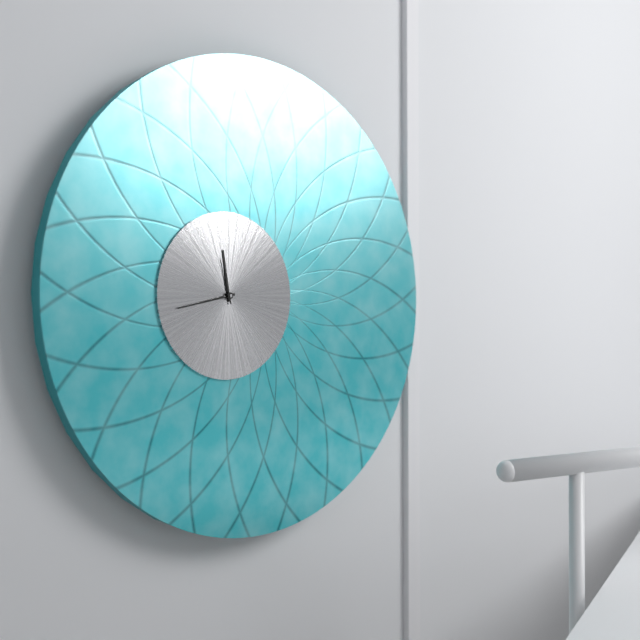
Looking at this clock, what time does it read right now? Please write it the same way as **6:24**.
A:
**11:43**
